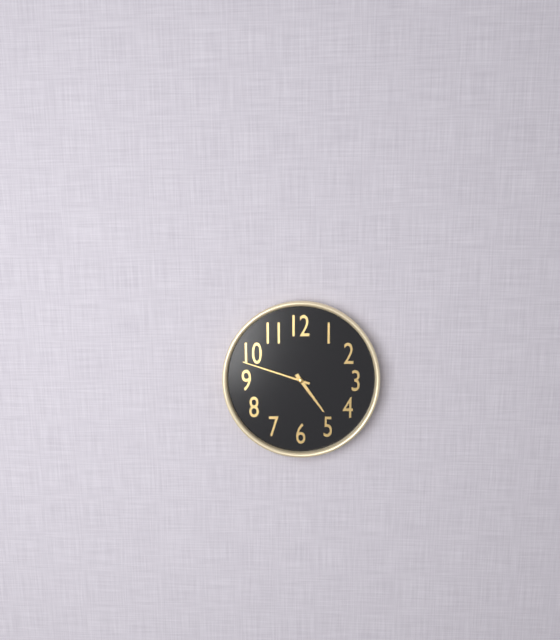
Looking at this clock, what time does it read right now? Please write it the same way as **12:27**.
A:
**4:48**
